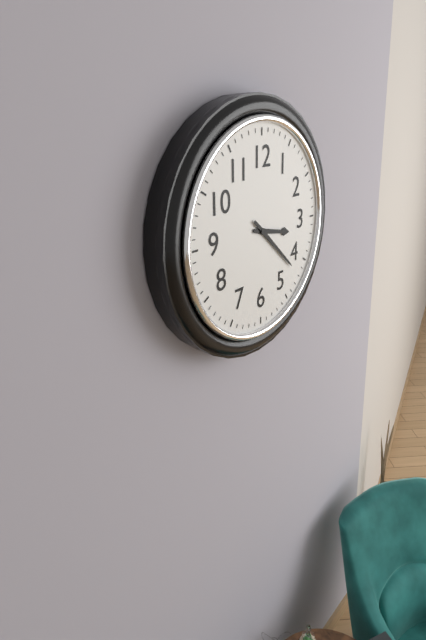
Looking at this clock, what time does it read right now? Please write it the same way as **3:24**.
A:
**3:22**
